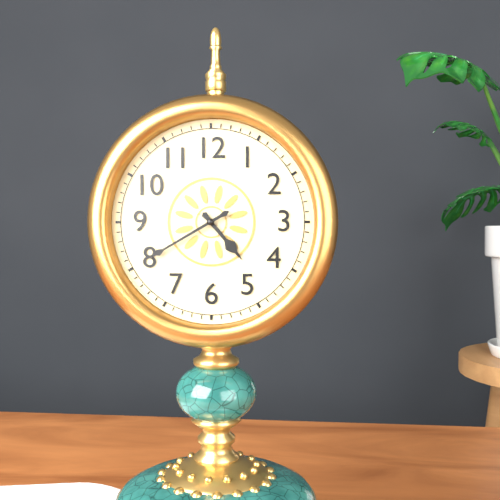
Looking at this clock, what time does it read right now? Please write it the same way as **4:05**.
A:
**4:40**
